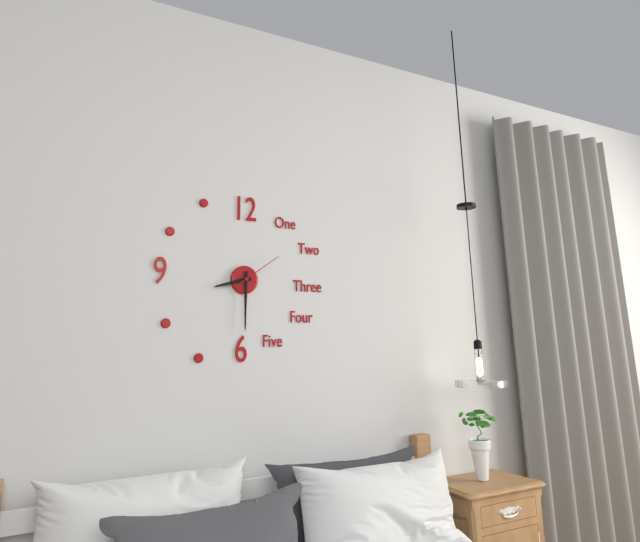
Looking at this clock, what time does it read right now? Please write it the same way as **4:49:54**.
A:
**8:30:09**
